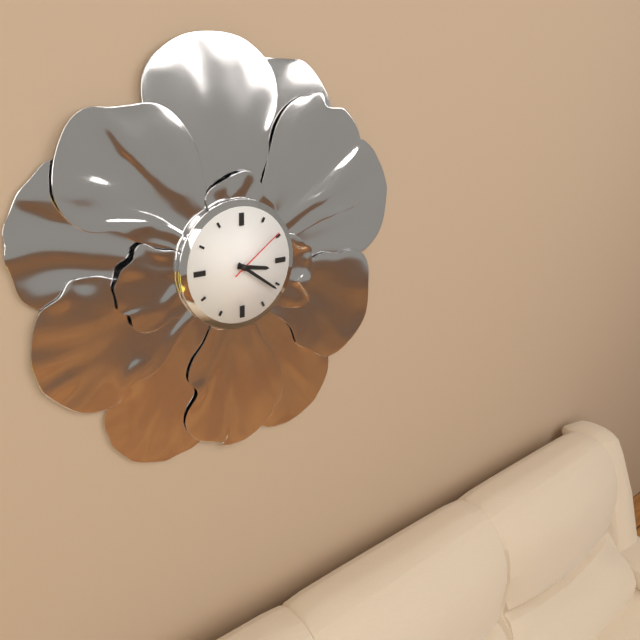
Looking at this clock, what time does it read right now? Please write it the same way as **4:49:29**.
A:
**3:21:09**
